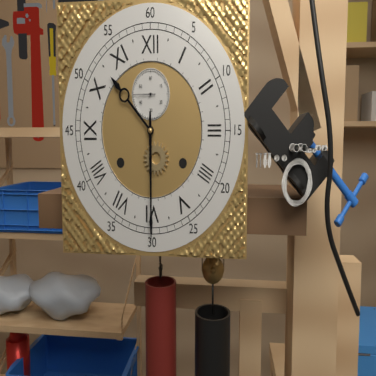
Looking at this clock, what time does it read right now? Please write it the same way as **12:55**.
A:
**10:30**
